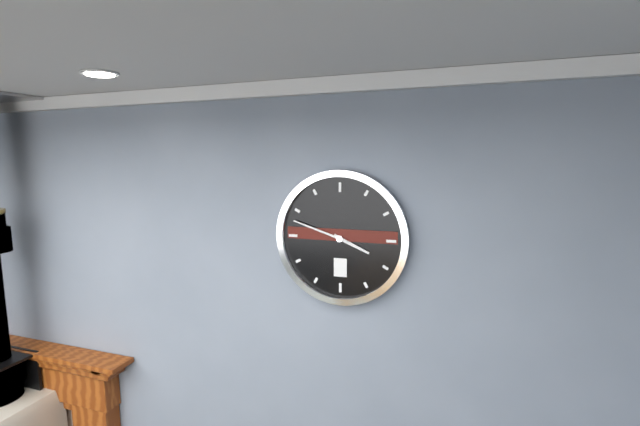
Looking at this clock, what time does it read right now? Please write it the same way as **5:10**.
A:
**3:48**
